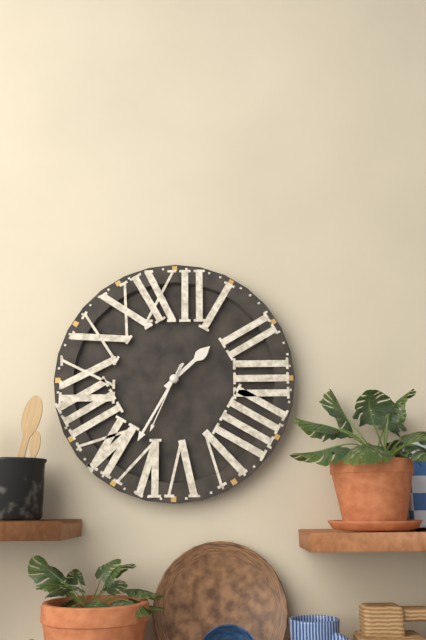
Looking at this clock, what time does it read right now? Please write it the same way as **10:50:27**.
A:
**1:35:34**
